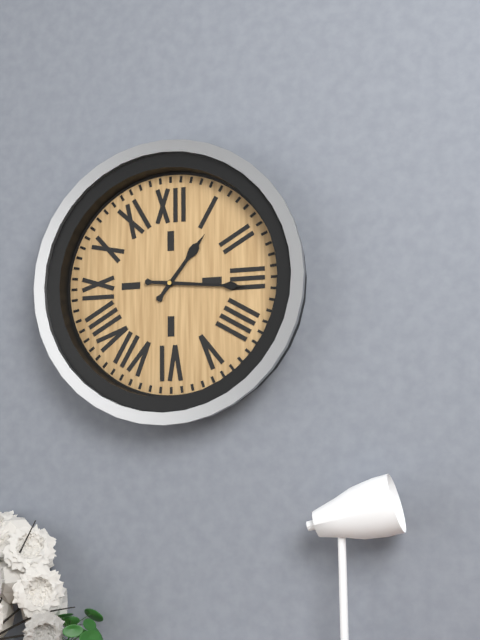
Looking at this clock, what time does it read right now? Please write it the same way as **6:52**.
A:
**1:16**
